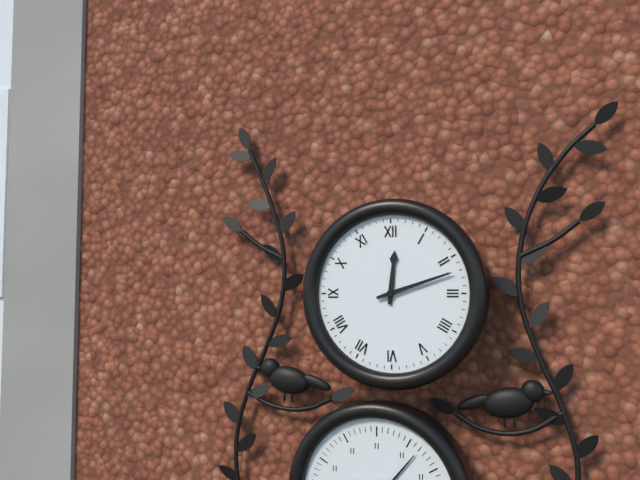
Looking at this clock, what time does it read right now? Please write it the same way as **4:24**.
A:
**12:12**
